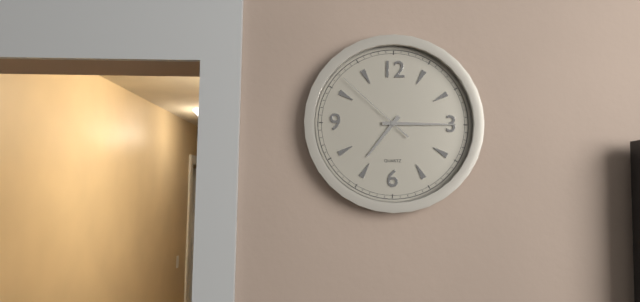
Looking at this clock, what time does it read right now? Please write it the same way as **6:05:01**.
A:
**7:15:52**
